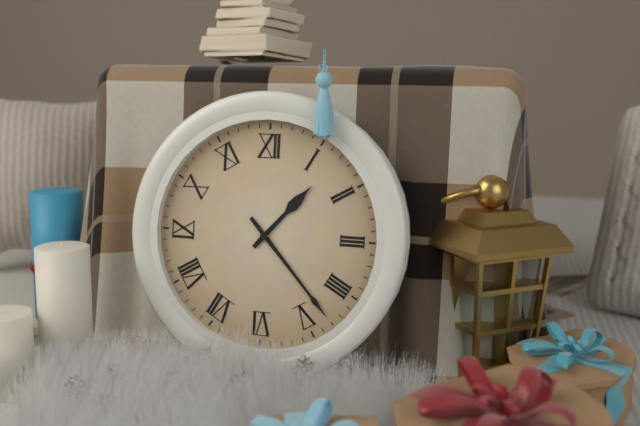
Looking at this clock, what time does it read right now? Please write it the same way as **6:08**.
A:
**1:23**
